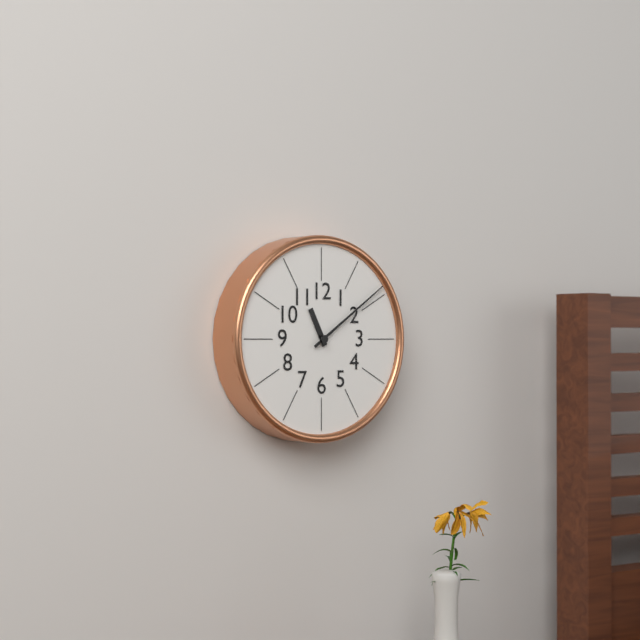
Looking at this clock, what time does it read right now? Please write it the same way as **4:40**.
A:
**11:09**
